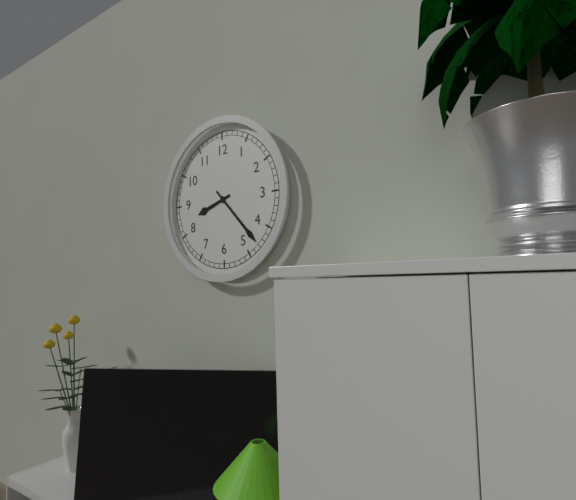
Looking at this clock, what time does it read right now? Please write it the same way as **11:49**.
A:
**8:23**
